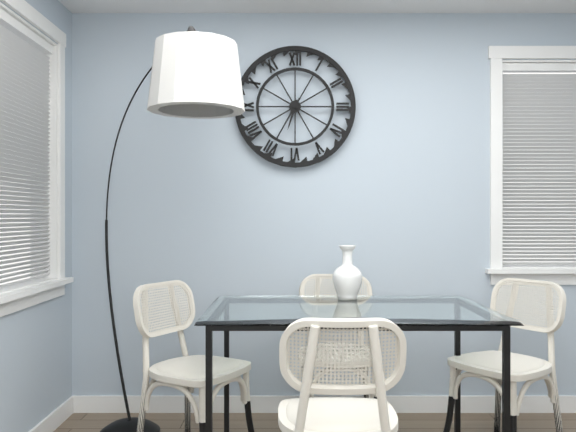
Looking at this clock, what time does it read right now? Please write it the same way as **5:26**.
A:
**6:35**
